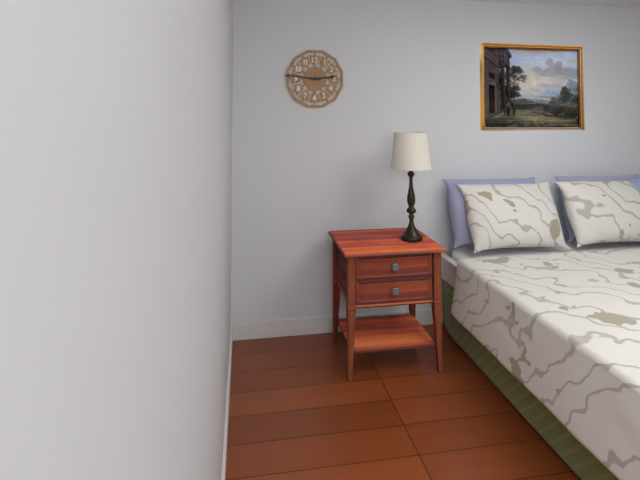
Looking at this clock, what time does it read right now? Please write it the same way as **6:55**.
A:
**2:46**
